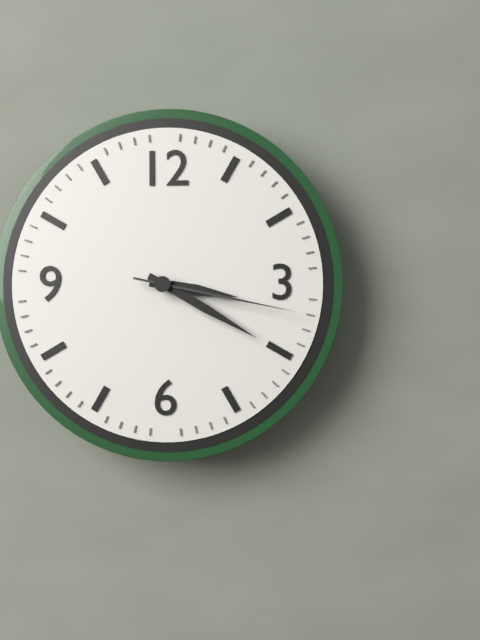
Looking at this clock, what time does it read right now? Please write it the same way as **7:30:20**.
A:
**3:20:17**
